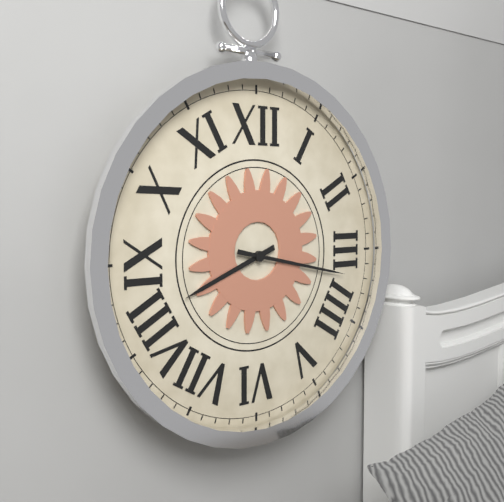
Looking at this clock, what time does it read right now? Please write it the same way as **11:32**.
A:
**8:17**
